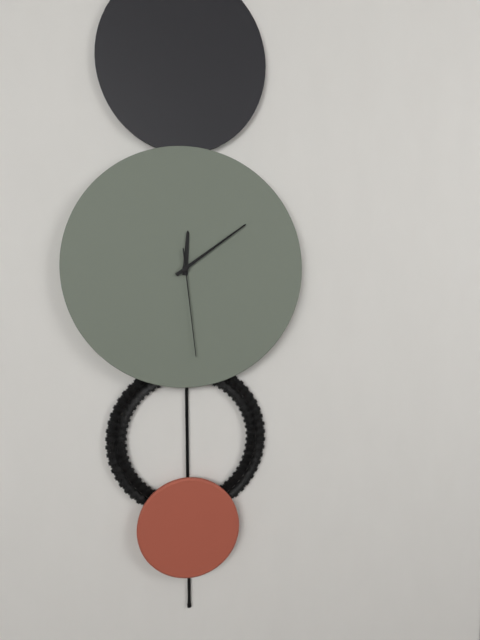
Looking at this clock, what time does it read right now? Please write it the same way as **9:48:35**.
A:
**12:09:29**
